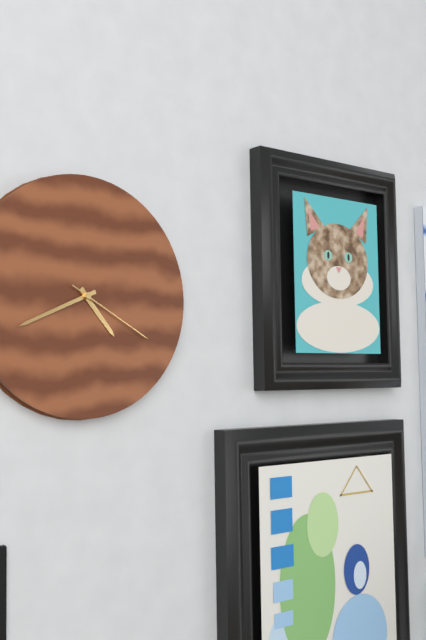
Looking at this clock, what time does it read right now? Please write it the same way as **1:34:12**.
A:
**4:41:20**
